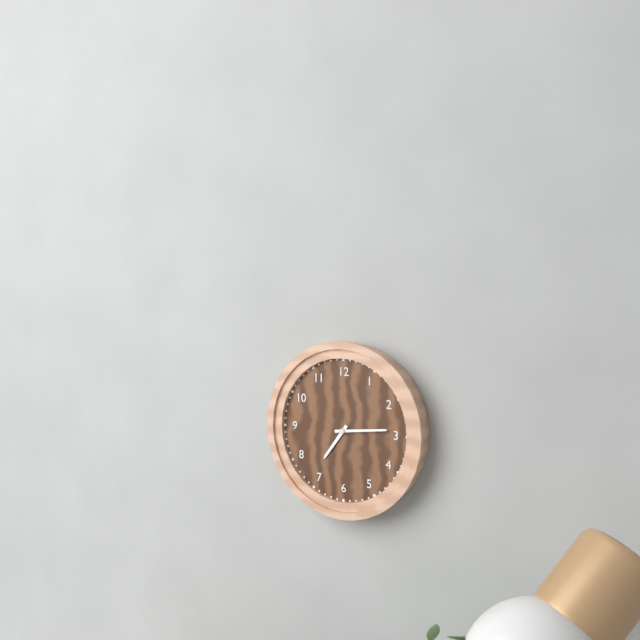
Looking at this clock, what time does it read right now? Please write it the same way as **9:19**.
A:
**7:14**
